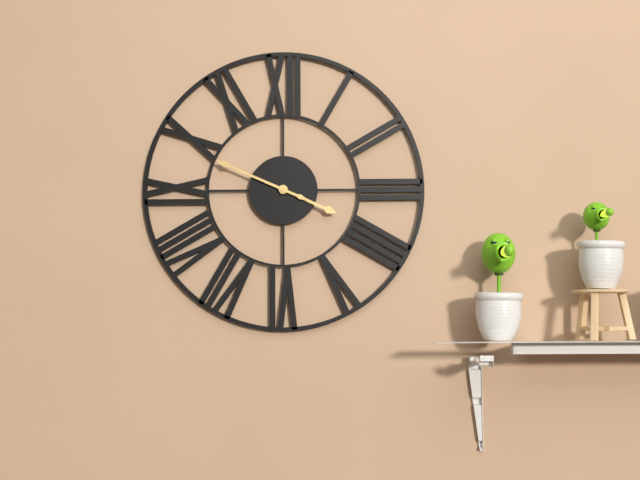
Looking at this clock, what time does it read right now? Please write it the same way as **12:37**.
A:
**3:49**
